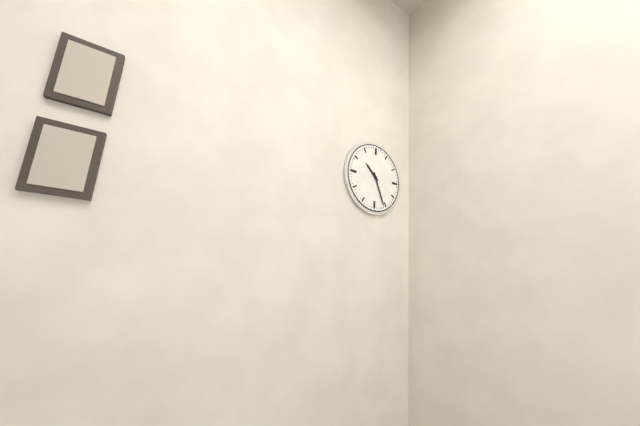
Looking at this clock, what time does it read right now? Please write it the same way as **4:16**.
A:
**10:26**
